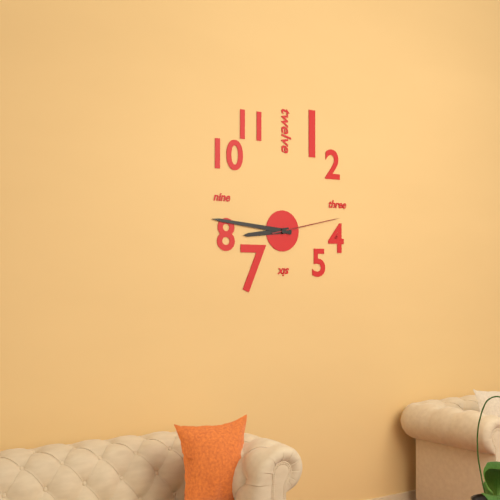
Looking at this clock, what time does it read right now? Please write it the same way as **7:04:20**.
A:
**8:46:13**
